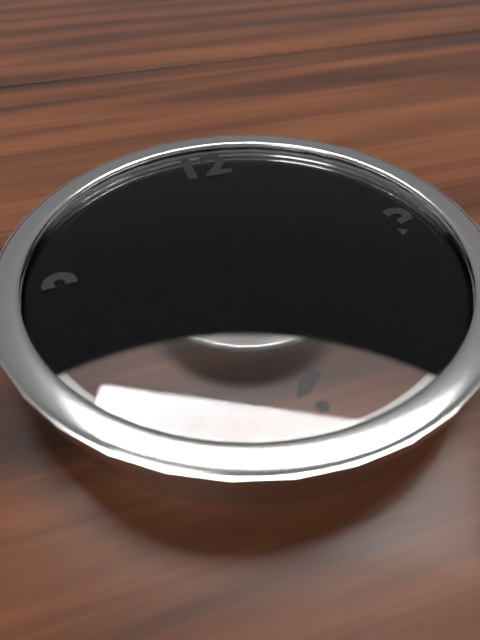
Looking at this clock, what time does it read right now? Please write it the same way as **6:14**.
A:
**4:02**
